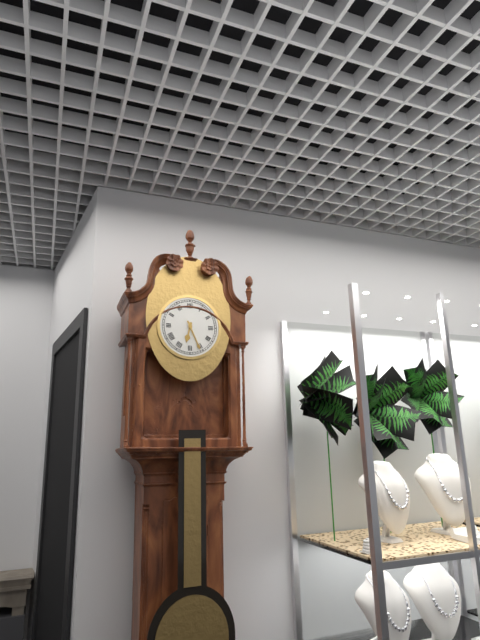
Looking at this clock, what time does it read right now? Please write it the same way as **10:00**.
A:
**6:26**
